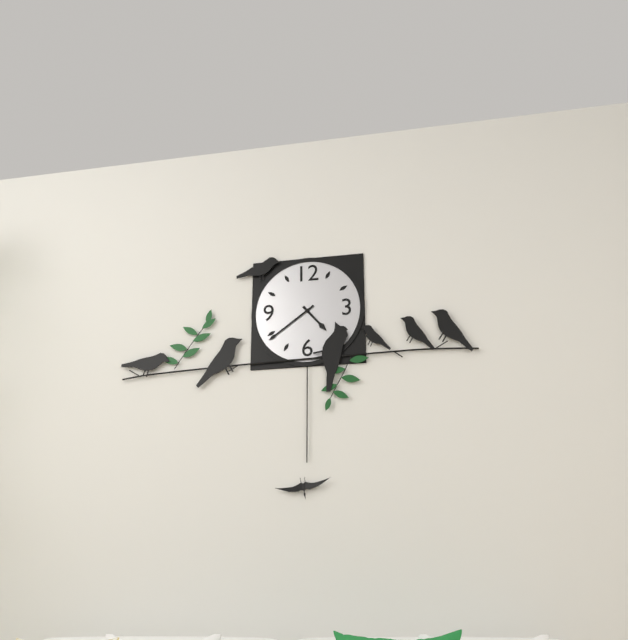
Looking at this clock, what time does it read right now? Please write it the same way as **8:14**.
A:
**4:39**
